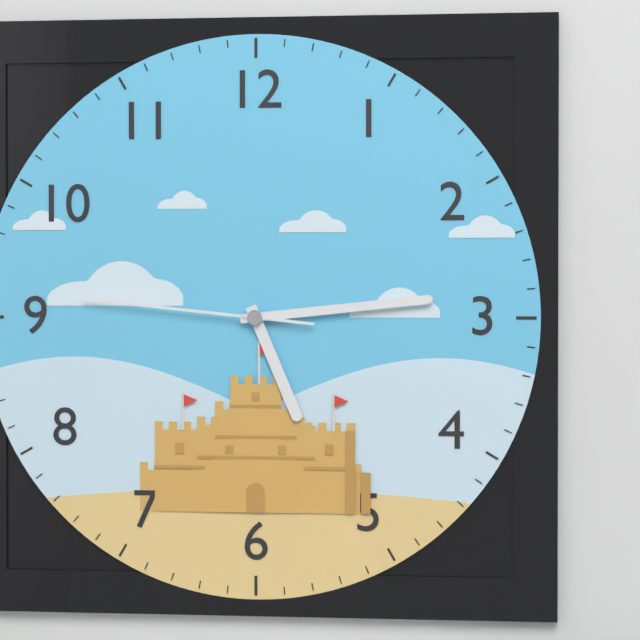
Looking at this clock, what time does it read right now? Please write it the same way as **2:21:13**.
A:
**5:14:46**
